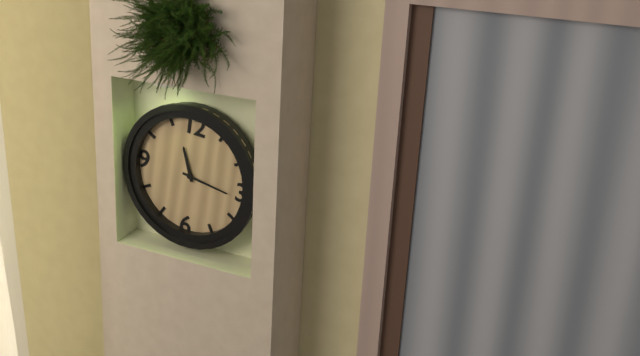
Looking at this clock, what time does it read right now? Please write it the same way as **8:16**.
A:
**11:16**
